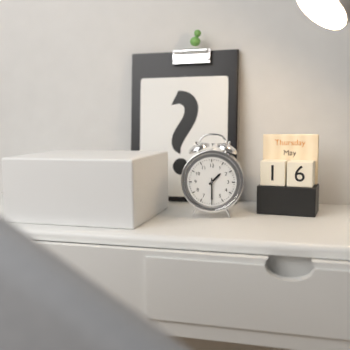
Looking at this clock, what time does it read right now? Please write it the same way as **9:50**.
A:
**1:30**
